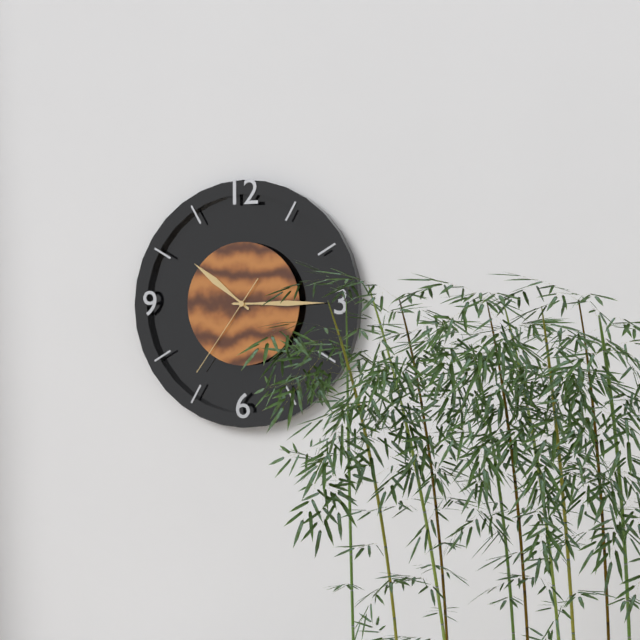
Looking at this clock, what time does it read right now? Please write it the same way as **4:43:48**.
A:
**10:15:36**
